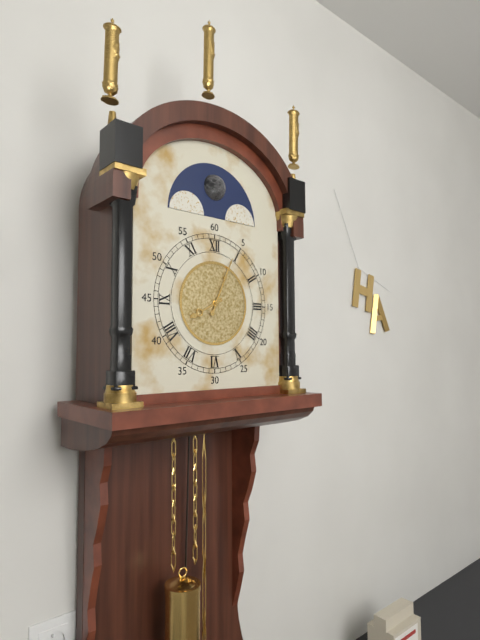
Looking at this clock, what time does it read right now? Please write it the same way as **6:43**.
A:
**8:04**
